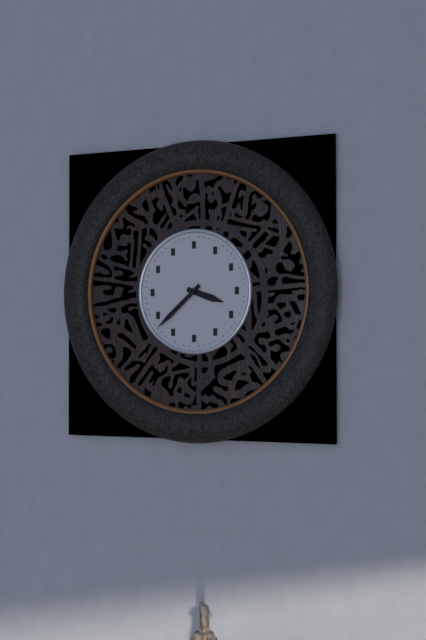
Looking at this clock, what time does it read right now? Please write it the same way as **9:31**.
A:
**3:38**
